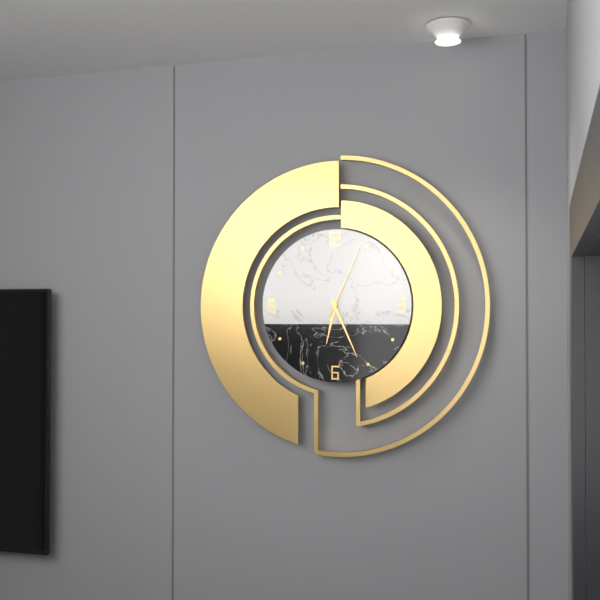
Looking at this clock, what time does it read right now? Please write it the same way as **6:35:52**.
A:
**6:26:04**
